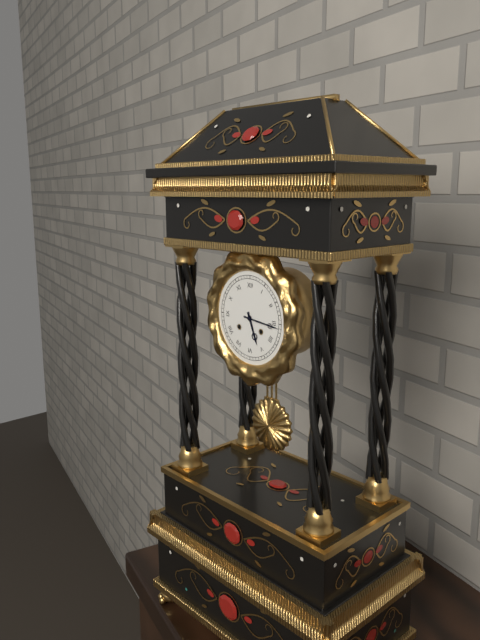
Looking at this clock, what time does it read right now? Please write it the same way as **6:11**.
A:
**5:16**
